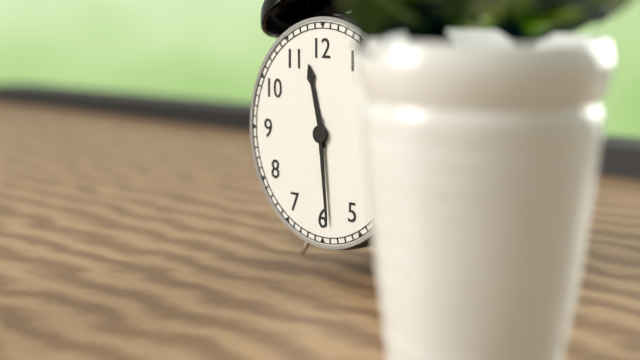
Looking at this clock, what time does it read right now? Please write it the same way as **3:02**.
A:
**11:29**
